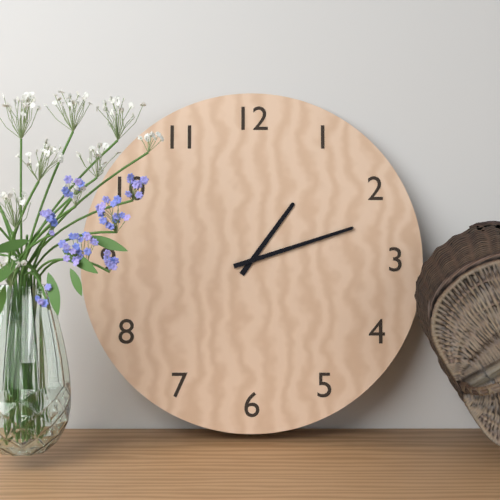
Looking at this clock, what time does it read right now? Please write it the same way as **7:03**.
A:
**1:12**
